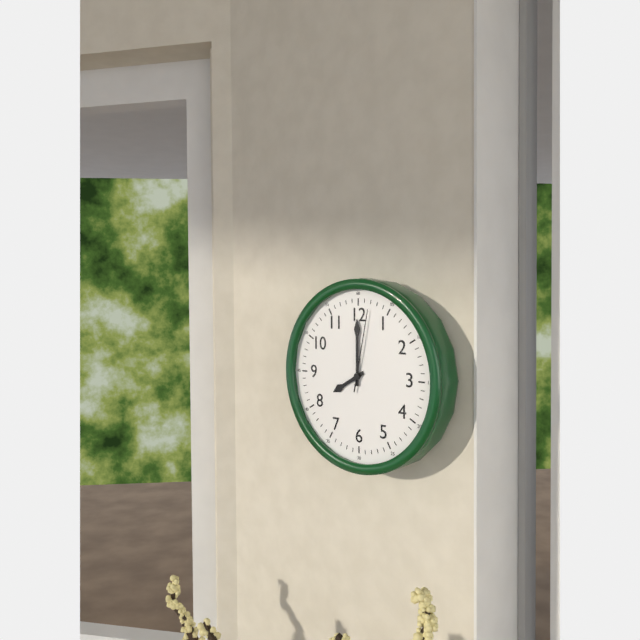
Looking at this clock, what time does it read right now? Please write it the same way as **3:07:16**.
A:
**8:00:02**
